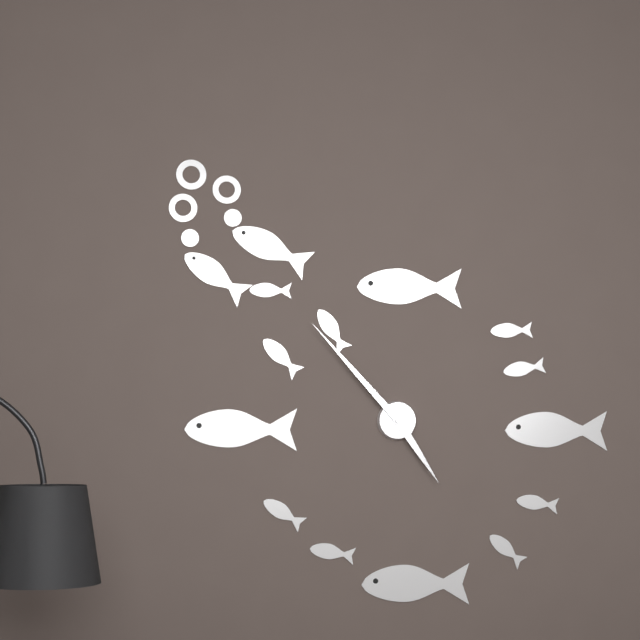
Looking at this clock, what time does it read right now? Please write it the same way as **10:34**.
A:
**4:53**
